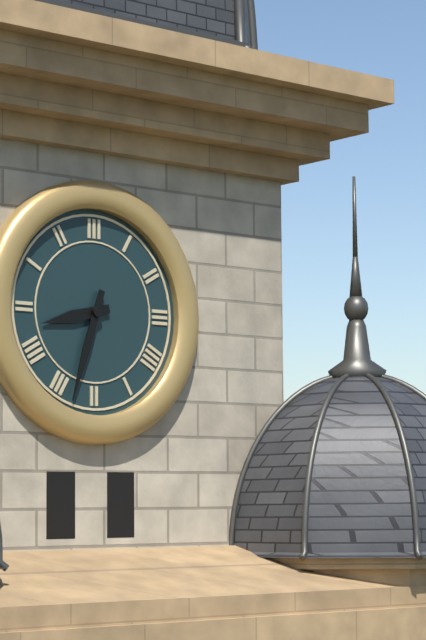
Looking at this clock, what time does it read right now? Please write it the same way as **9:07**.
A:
**8:33**
